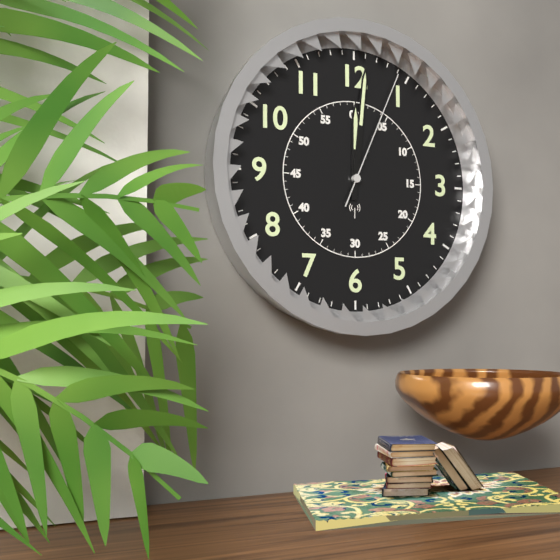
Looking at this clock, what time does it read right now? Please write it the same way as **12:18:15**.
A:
**12:01:04**
